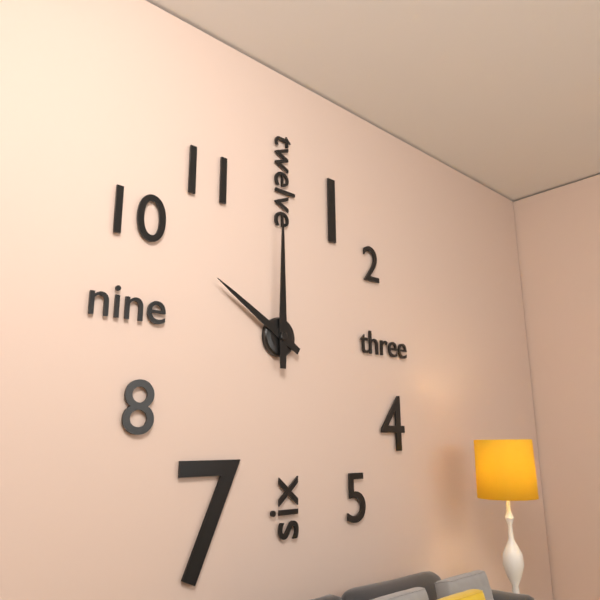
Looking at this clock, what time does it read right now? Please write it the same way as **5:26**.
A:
**10:00**
